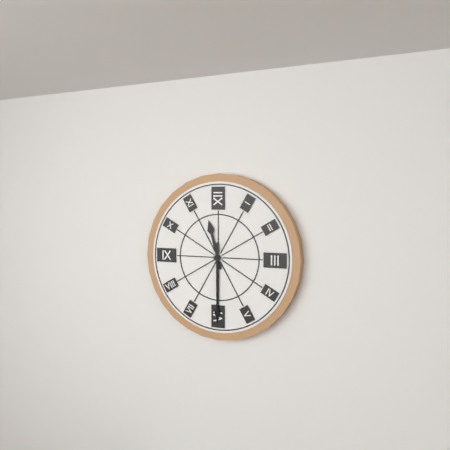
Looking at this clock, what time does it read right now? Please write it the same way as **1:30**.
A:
**11:30**
